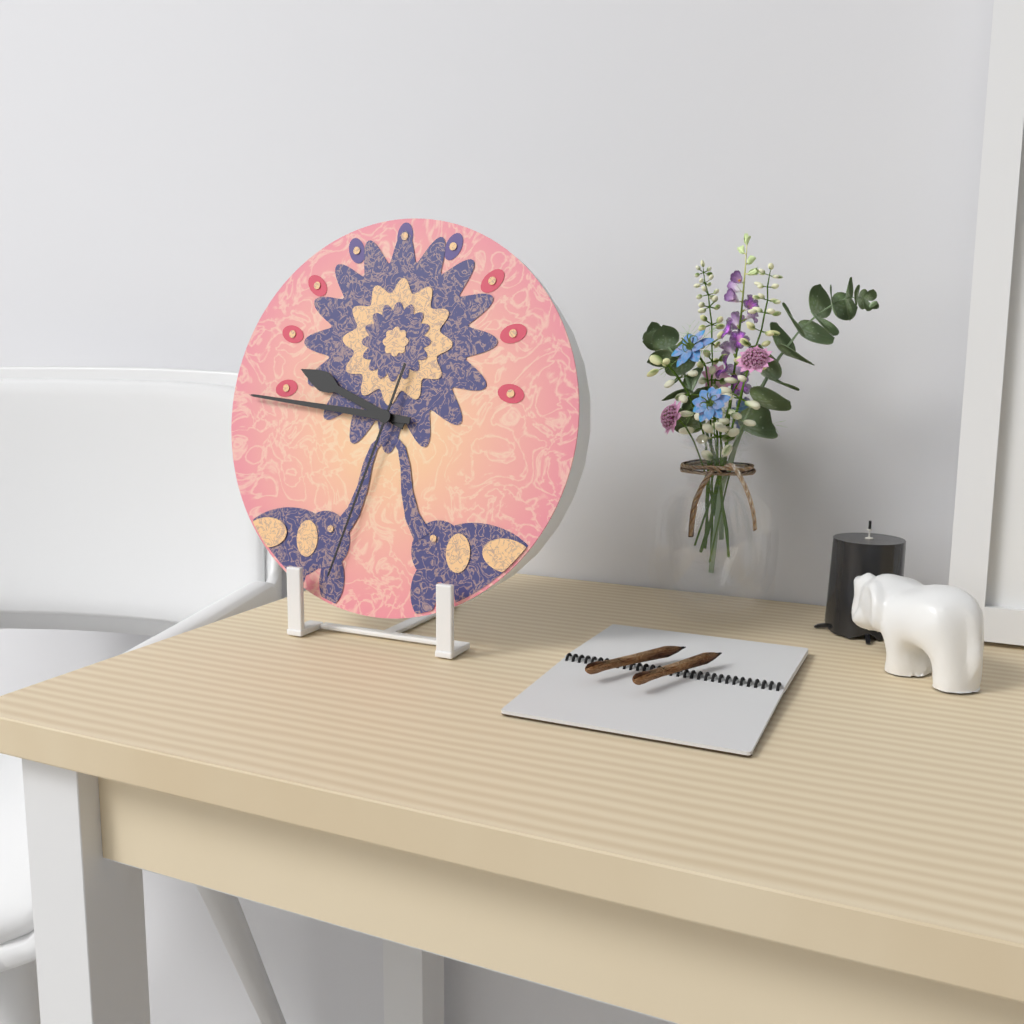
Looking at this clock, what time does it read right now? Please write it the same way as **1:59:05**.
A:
**9:46:33**
